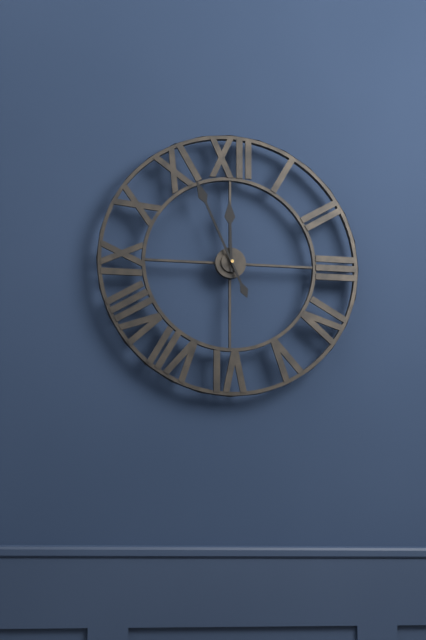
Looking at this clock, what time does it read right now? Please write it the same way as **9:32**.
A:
**11:56**
